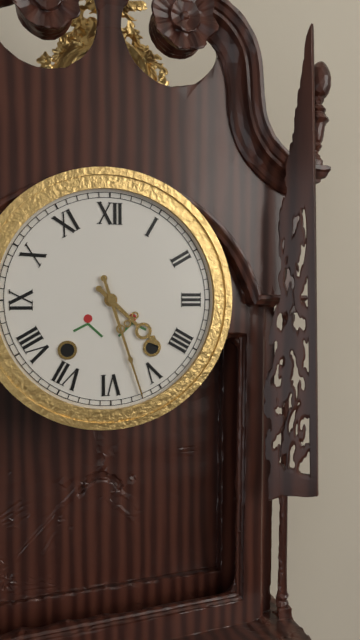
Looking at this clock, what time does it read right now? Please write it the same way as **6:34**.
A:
**4:27**
